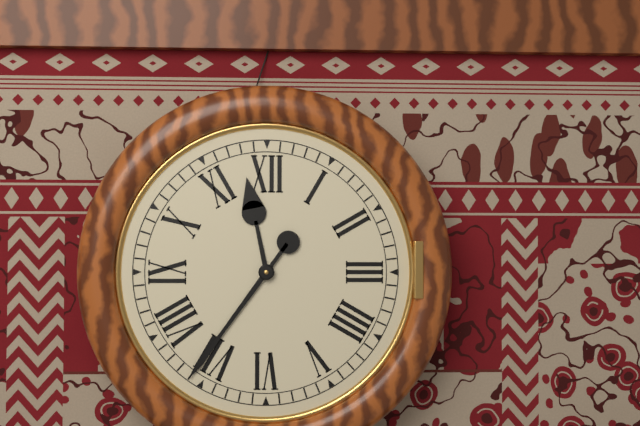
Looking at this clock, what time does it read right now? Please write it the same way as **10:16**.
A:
**11:36**
